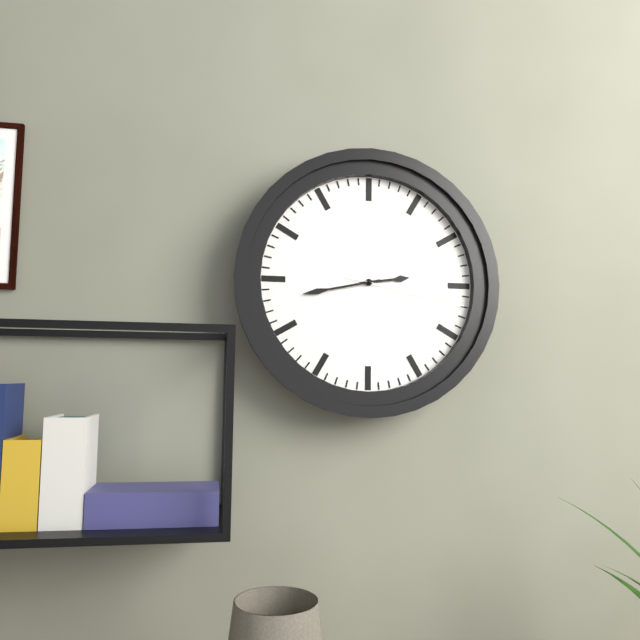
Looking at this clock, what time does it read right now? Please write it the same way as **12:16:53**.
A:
**2:43:17**
